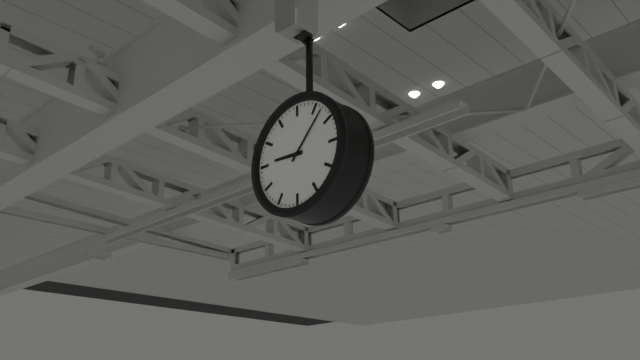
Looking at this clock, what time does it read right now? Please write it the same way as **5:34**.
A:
**9:07**
